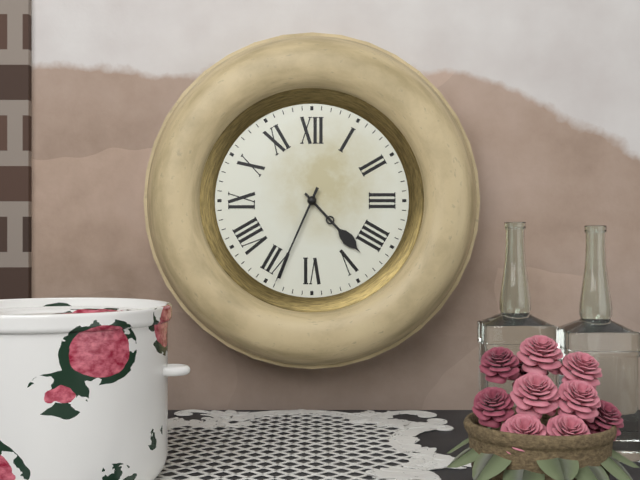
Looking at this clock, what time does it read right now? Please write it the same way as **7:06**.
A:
**4:34**
